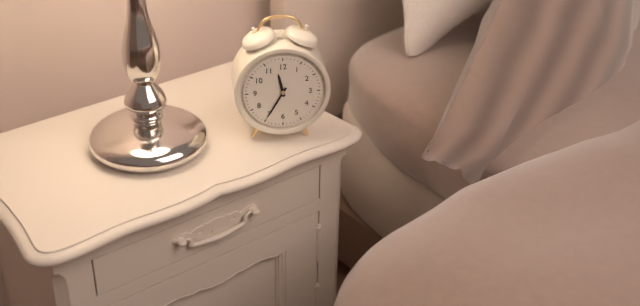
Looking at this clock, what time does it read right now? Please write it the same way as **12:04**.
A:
**11:35**
